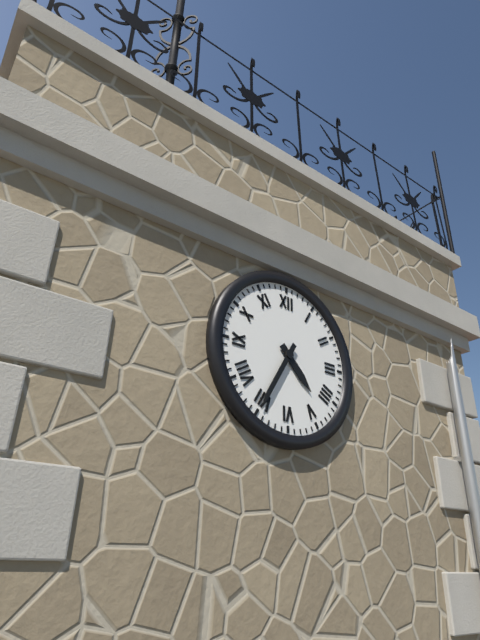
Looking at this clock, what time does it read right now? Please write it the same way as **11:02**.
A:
**4:35**
